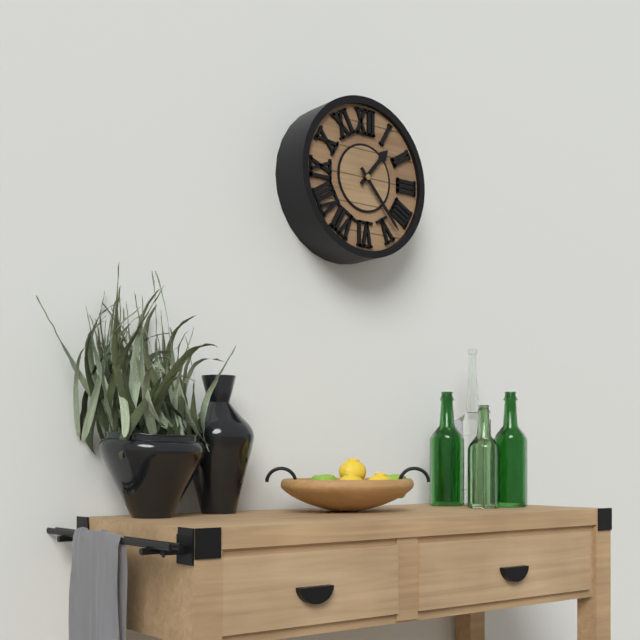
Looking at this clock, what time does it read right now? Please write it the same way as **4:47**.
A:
**1:23**
